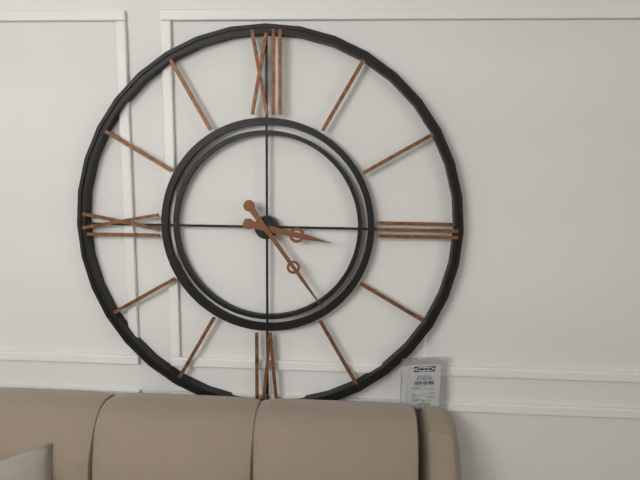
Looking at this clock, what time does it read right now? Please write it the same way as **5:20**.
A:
**3:24**
